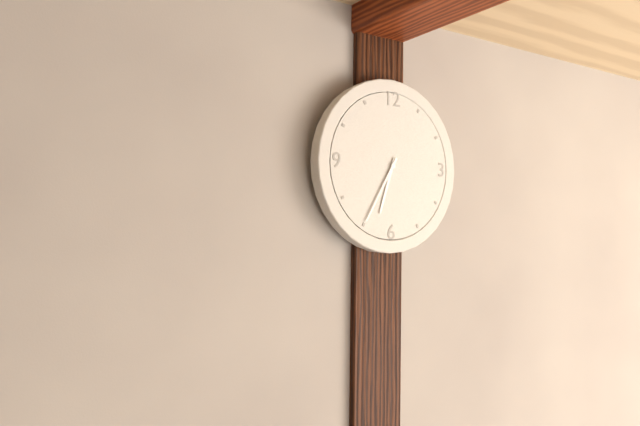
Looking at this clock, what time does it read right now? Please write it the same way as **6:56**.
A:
**6:35**
